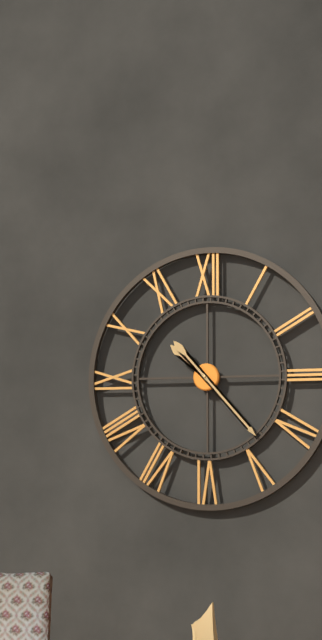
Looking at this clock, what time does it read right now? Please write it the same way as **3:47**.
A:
**10:23**
